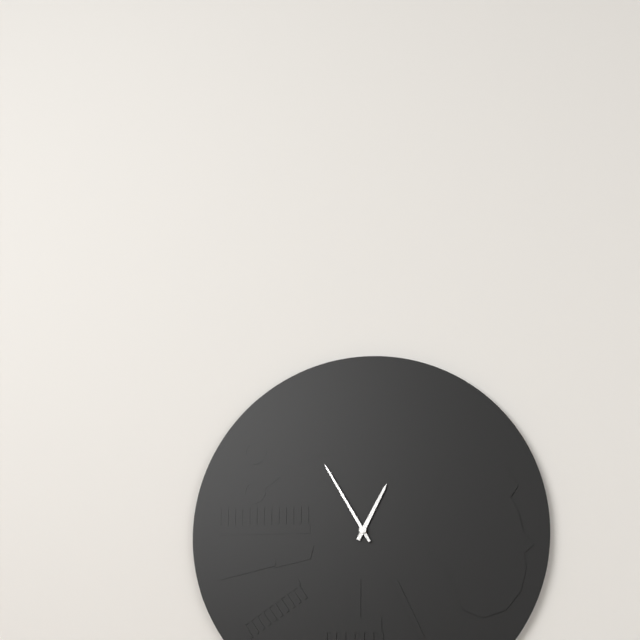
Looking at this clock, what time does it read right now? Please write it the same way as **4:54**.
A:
**12:55**
